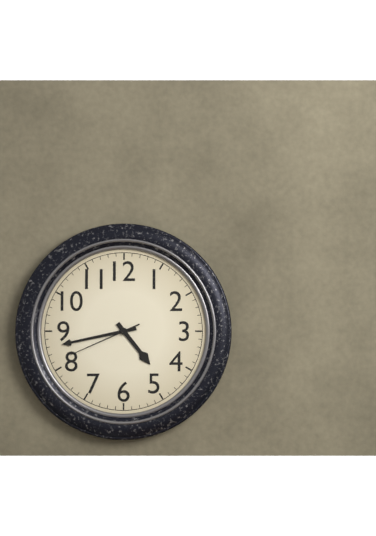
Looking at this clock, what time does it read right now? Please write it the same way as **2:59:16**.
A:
**4:43:41**
